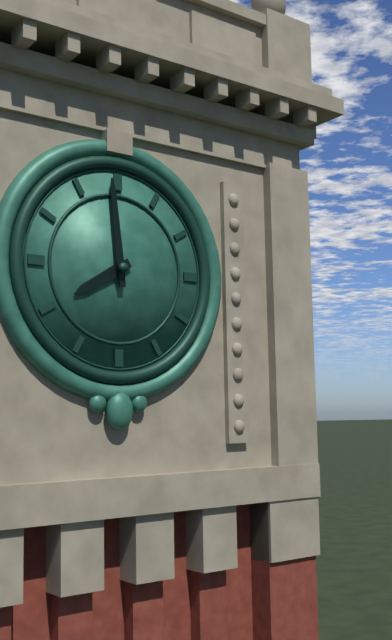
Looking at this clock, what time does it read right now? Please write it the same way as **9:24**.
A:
**7:59**
